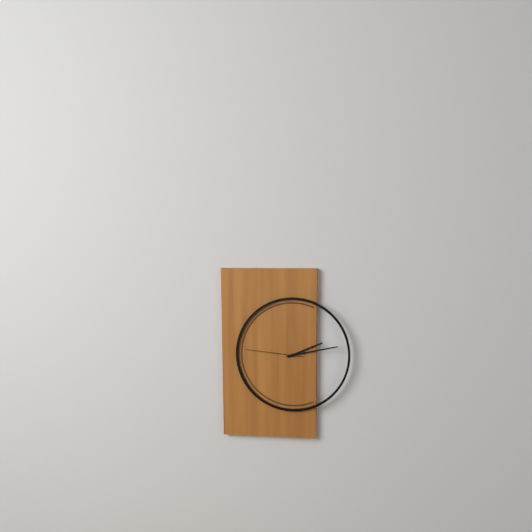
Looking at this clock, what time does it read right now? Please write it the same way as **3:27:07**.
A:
**2:13:46**
